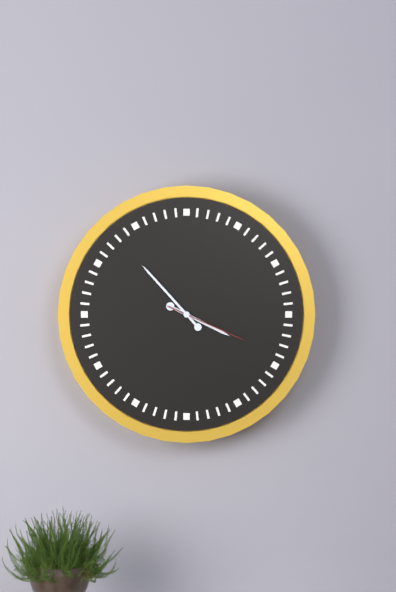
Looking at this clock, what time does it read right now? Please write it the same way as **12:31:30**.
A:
**3:53:19**
